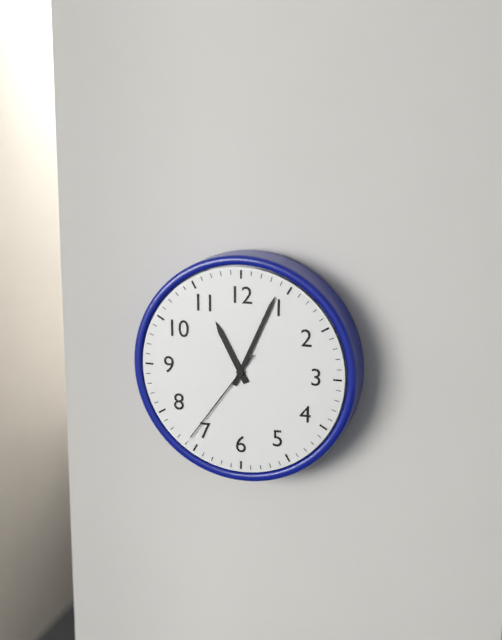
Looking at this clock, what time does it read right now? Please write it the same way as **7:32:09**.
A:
**11:04:36**
